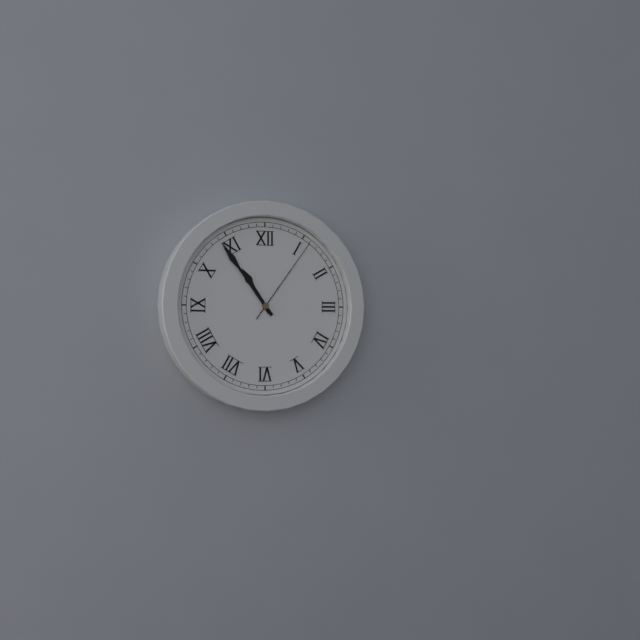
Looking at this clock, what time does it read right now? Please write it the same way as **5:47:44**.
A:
**10:54:06**
